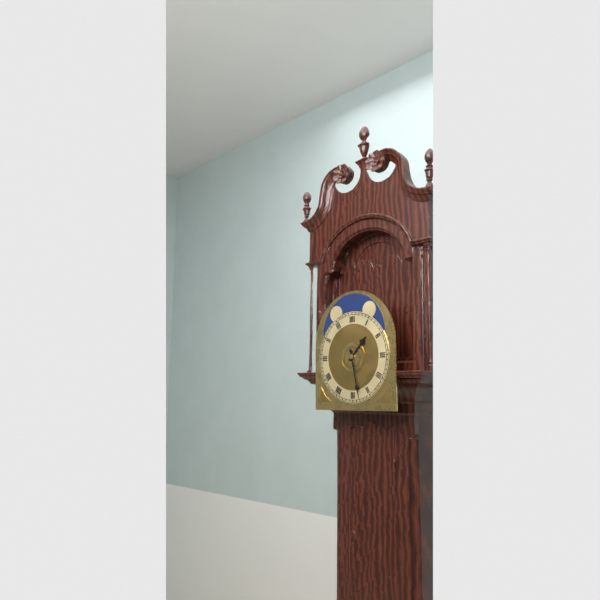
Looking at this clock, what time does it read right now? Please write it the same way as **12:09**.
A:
**1:28**
